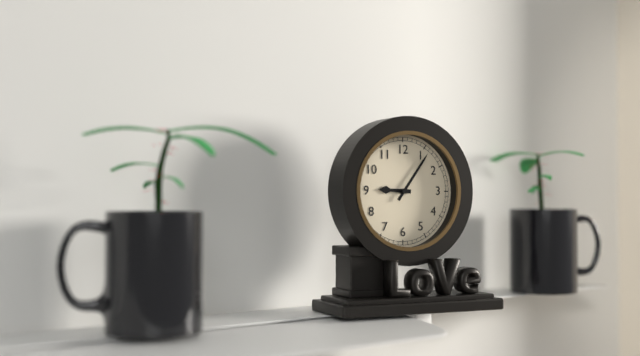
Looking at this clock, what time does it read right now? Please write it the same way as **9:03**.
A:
**9:06**
